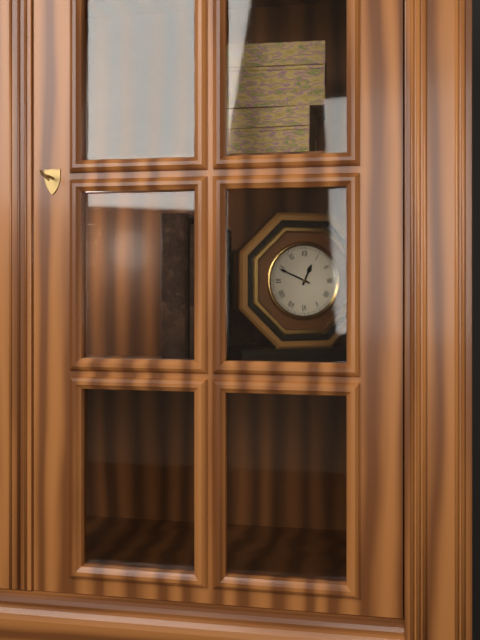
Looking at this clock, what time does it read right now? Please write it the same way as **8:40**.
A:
**12:49**
